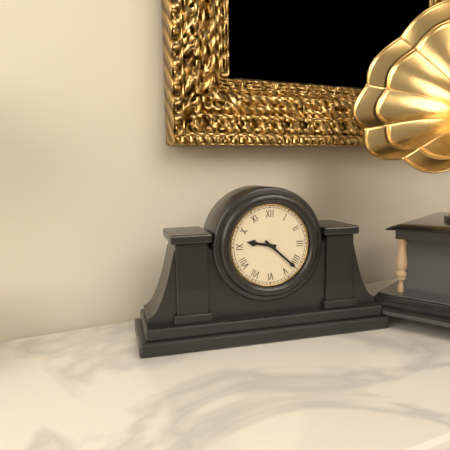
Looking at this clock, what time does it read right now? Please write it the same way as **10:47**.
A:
**9:22**
